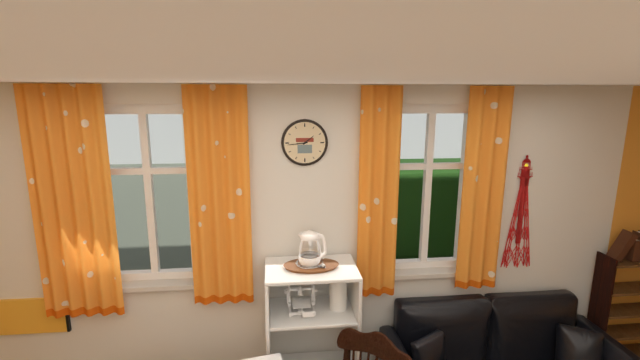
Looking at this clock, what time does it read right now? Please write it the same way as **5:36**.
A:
**1:44**
